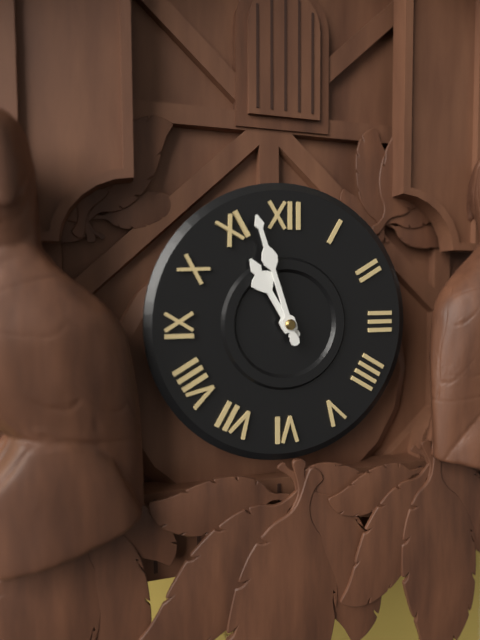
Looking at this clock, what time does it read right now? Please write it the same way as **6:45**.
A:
**10:57**
